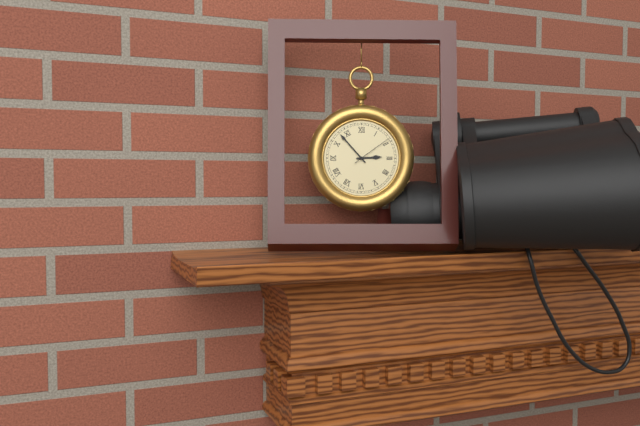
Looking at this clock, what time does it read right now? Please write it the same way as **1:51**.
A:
**2:53**
